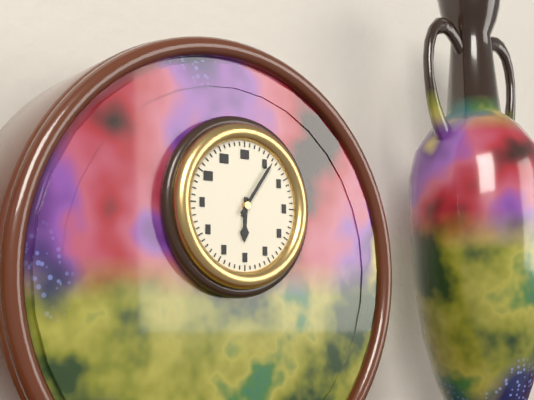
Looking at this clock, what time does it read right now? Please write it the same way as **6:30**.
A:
**6:06**
